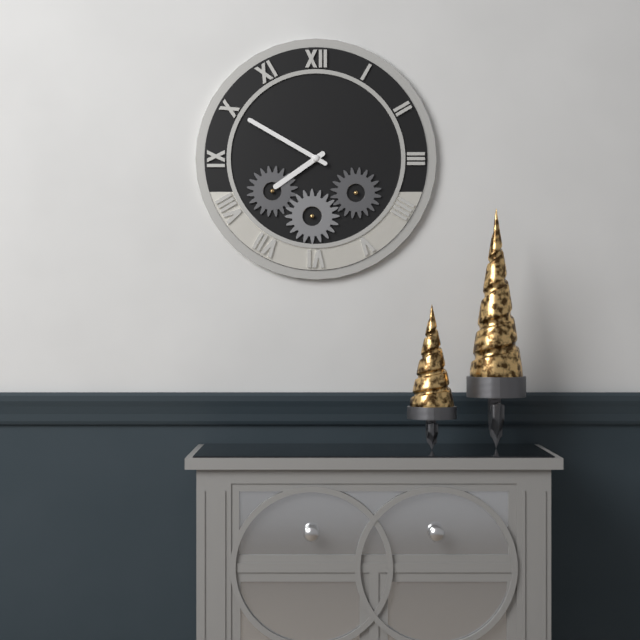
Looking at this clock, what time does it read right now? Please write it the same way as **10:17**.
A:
**7:50**
